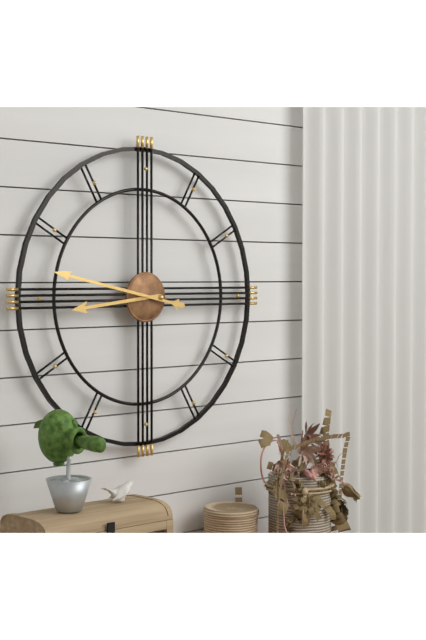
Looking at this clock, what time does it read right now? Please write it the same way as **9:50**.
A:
**8:47**
